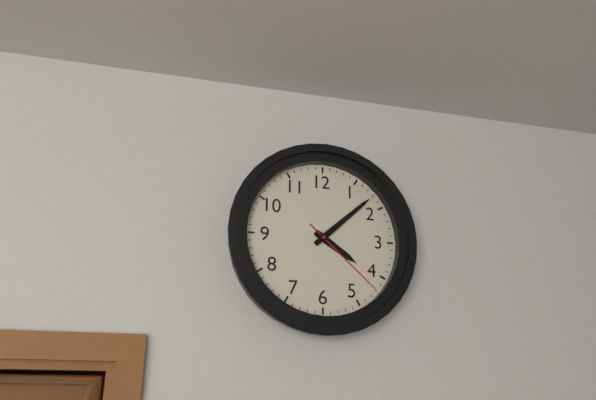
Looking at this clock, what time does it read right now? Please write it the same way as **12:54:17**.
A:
**4:08:22**
